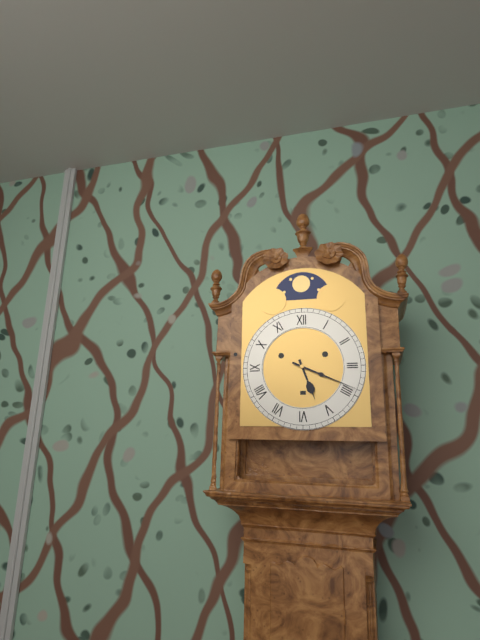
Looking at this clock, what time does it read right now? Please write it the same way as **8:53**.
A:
**5:19**
